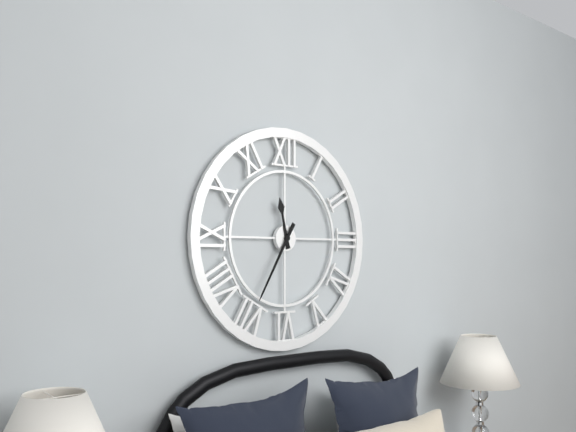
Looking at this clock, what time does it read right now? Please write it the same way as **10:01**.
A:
**11:35**
